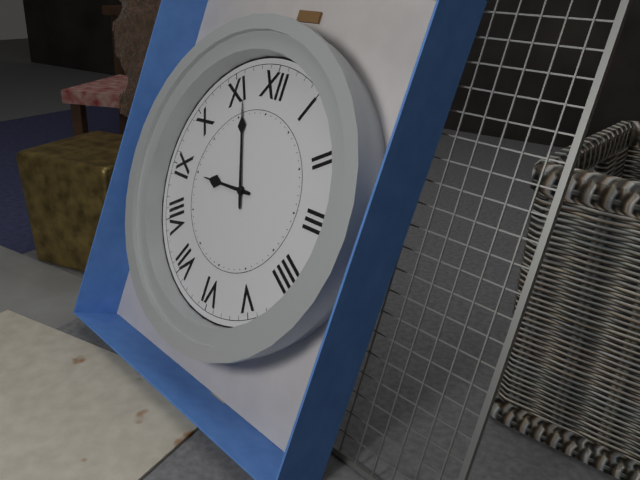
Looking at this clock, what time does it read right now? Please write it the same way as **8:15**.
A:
**8:56**
